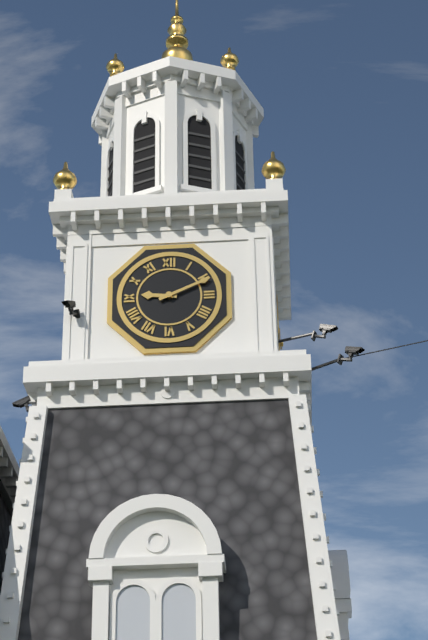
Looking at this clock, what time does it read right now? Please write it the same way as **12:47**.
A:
**9:11**
